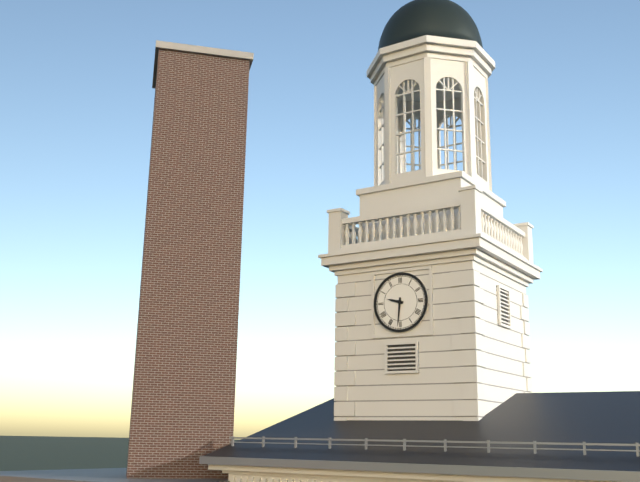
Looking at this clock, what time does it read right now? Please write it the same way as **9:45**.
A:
**9:31**
